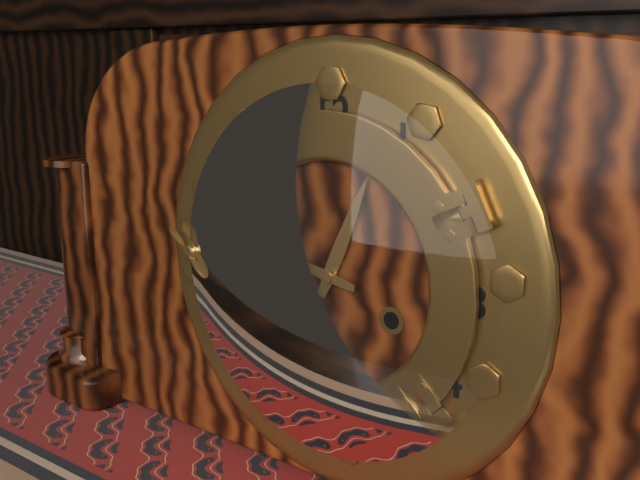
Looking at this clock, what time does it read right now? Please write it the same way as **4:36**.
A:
**12:47**
